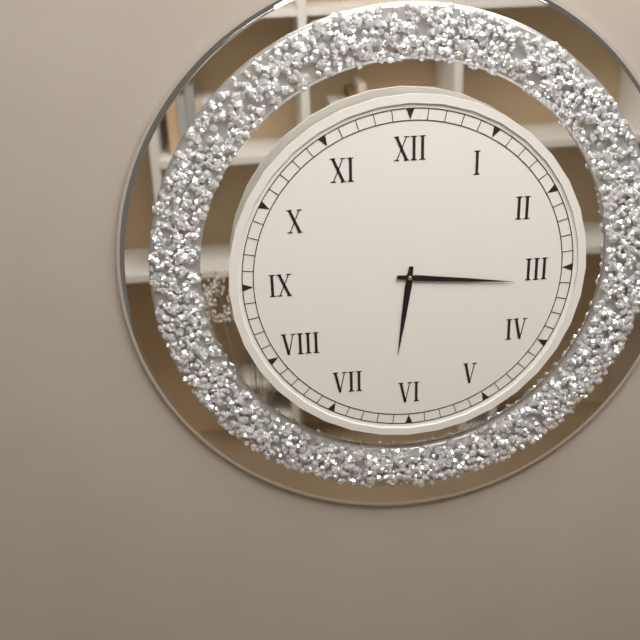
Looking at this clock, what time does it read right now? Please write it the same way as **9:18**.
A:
**6:16**
